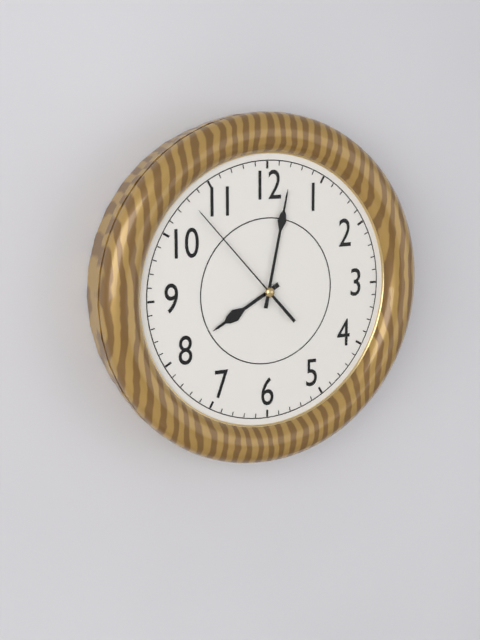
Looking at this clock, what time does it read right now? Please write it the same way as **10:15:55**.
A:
**8:02:53**
